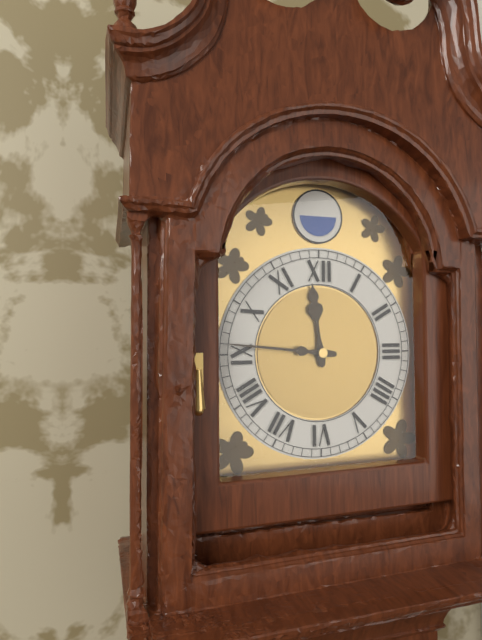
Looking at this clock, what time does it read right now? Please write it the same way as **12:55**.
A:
**11:46**
